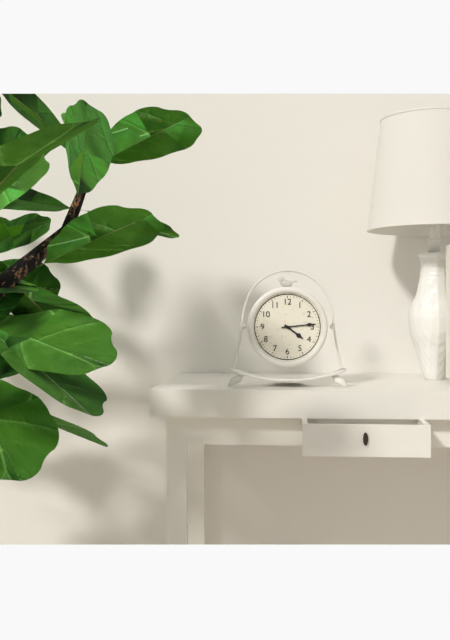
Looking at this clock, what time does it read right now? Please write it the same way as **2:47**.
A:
**4:14**
